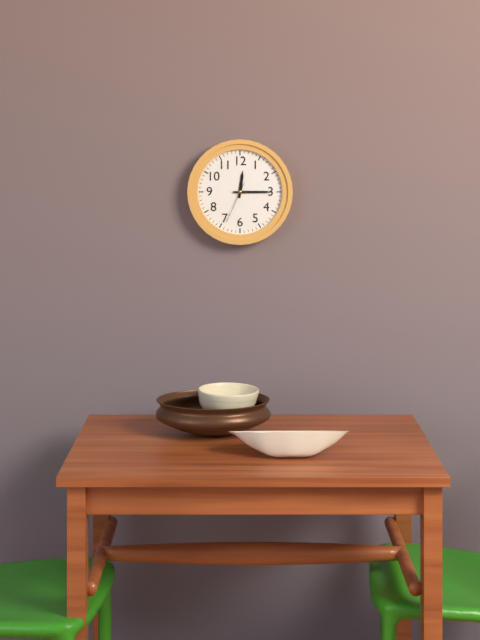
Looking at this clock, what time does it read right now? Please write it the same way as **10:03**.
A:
**12:15**
